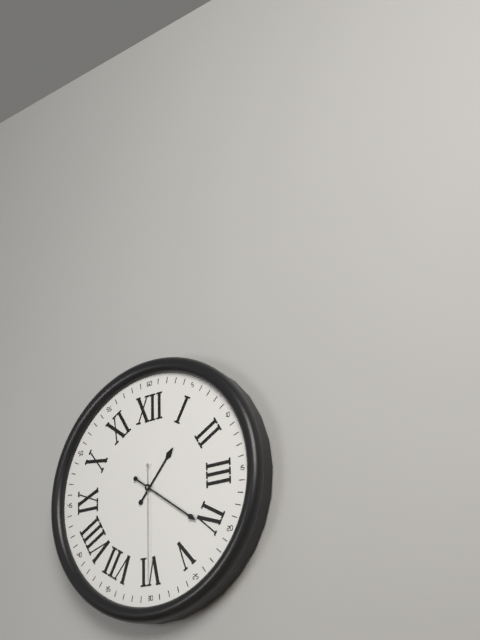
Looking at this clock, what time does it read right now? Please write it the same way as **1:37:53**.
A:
**1:21:30**
